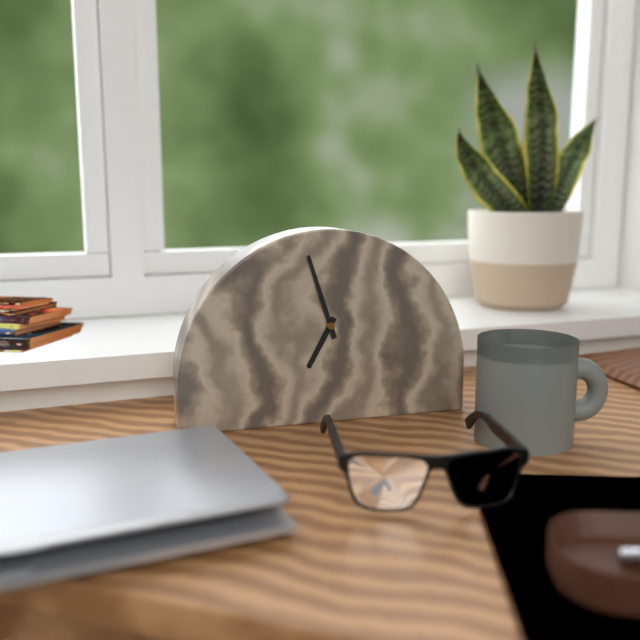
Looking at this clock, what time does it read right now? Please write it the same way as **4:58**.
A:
**6:57**
